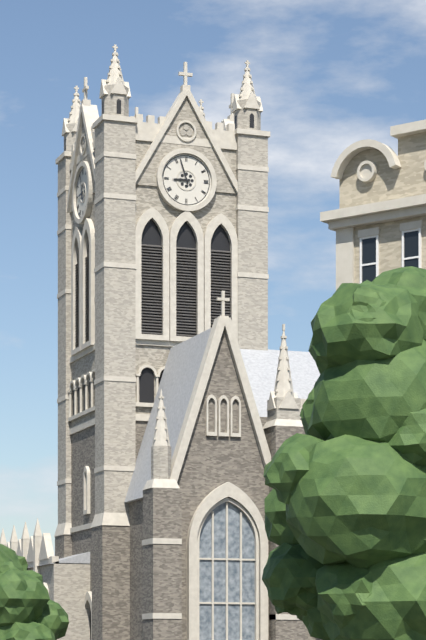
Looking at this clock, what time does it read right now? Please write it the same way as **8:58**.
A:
**8:57**
